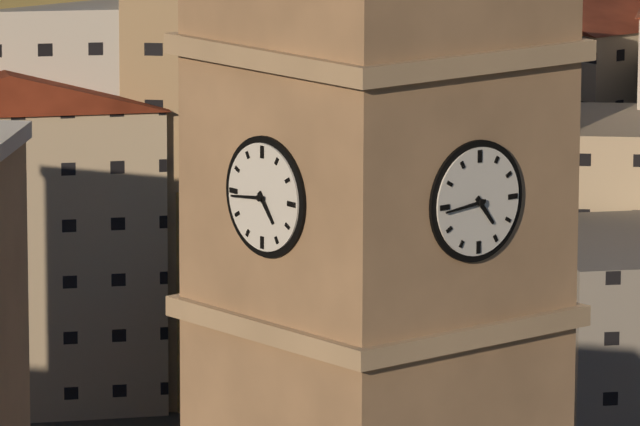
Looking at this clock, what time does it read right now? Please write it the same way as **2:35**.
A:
**4:44**
